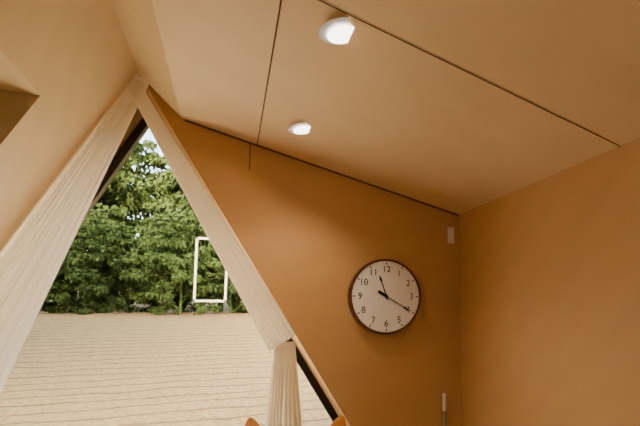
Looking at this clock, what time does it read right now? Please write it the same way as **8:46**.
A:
**11:20**
